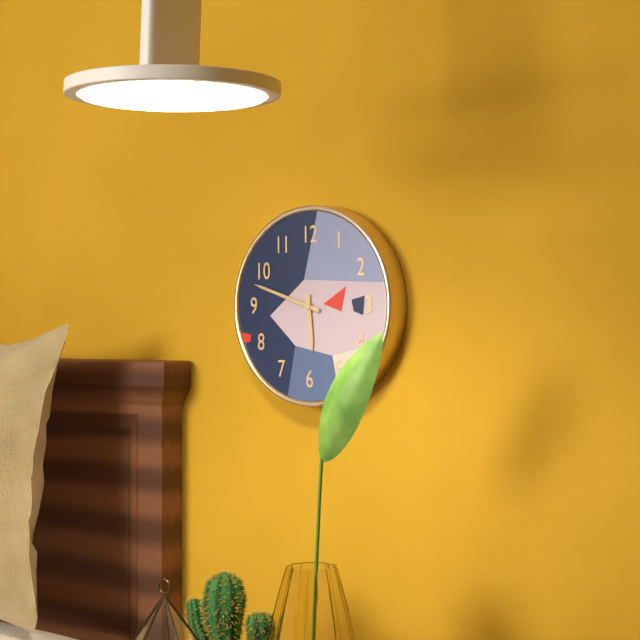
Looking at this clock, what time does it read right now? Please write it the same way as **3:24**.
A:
**5:48**
